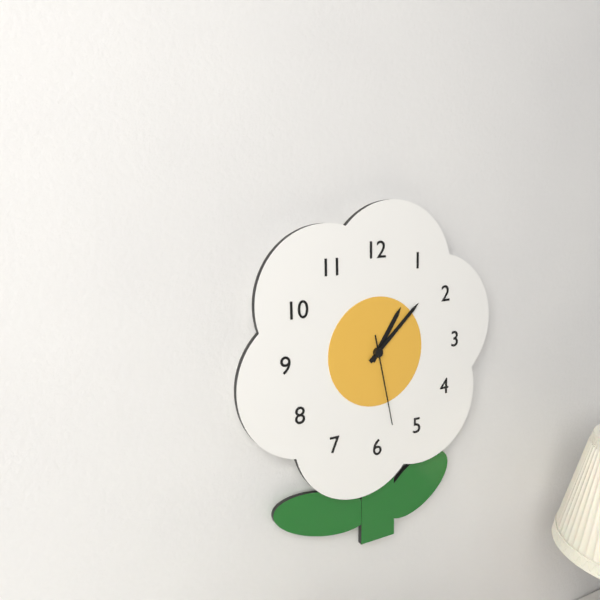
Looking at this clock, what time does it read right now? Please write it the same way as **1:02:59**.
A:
**1:08:28**
